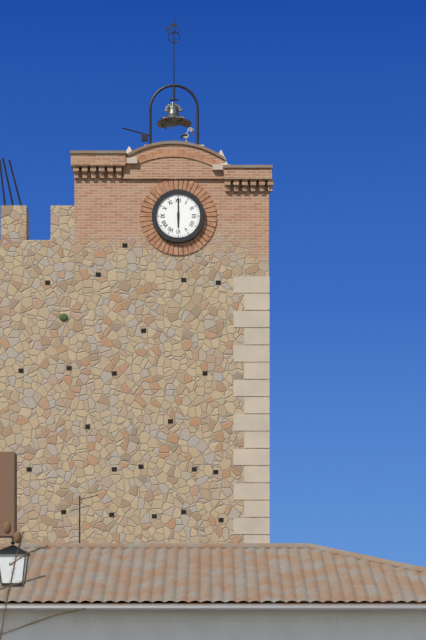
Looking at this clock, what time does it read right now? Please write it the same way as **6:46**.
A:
**6:00**
